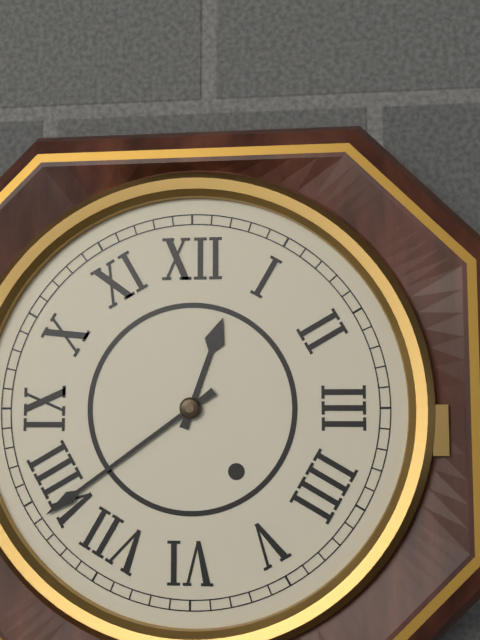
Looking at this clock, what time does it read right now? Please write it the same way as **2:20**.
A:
**12:39**
